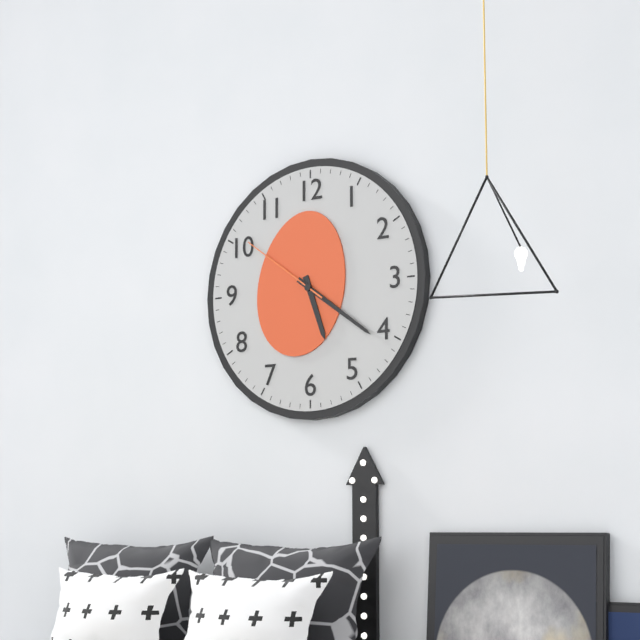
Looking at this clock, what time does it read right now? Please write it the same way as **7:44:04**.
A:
**5:21:51**
